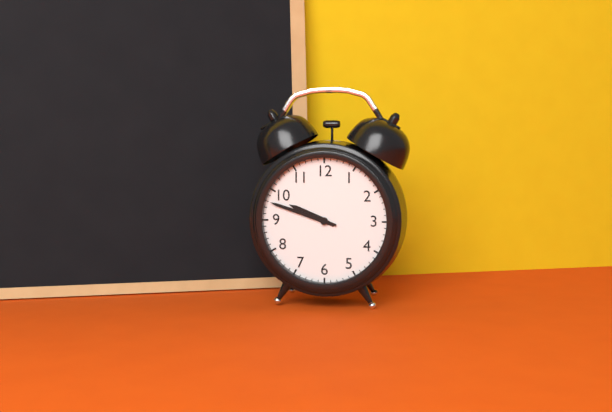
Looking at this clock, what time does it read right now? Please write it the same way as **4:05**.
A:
**9:48**
